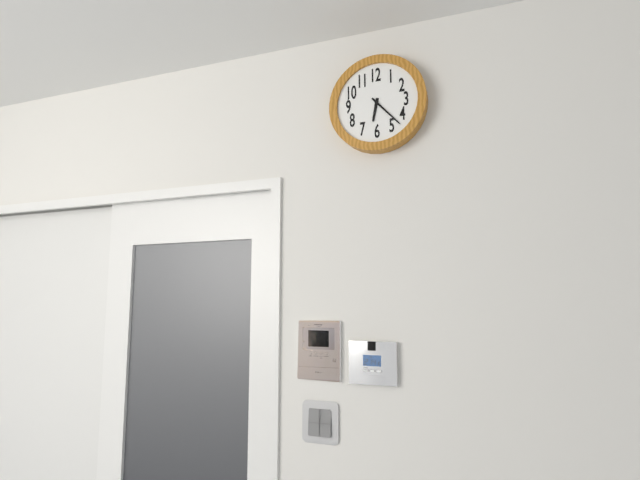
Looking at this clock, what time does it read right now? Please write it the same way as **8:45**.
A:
**6:23**
